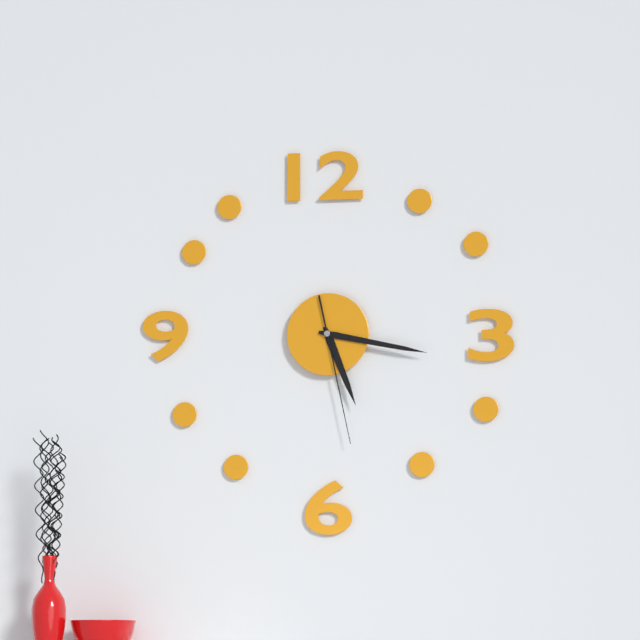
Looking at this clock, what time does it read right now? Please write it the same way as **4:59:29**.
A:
**5:17:28**
